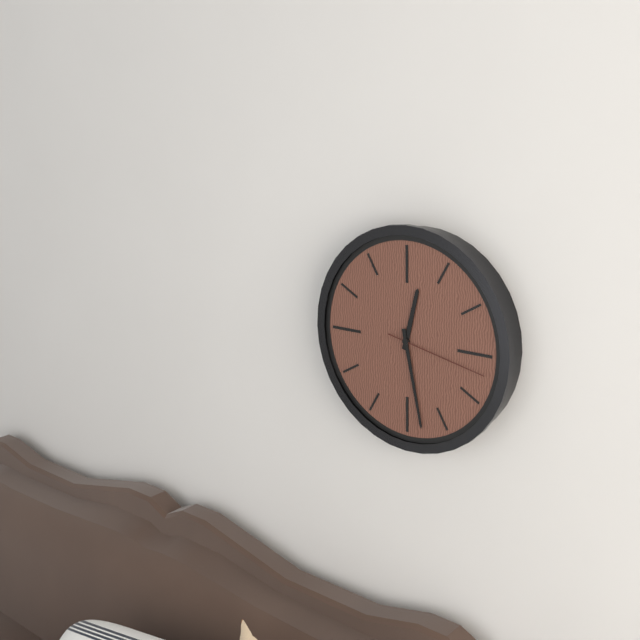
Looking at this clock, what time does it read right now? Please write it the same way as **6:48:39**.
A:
**12:28:17**
